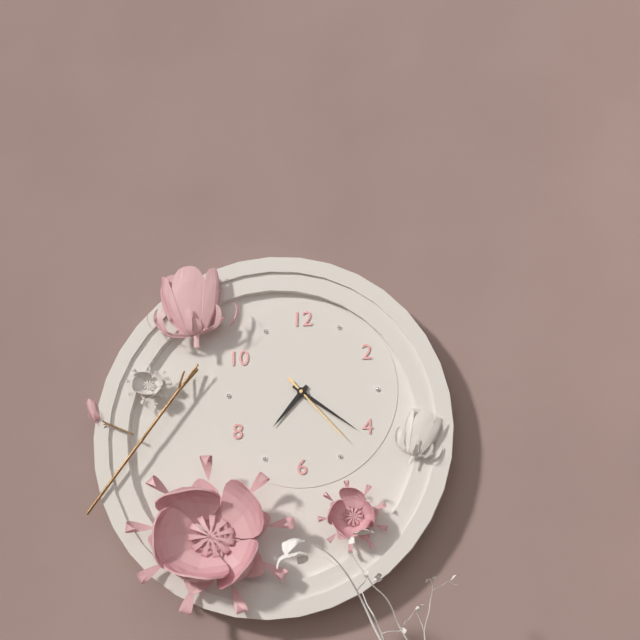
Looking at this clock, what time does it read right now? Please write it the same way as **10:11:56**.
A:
**7:21:23**
